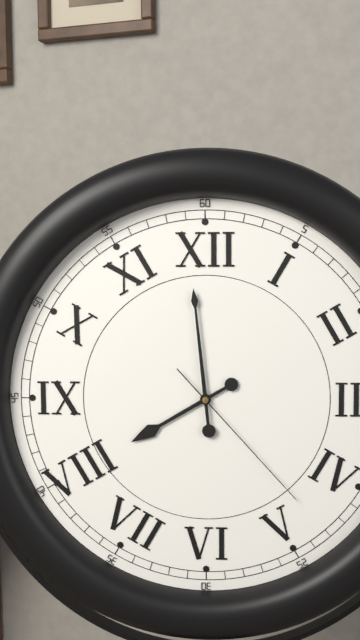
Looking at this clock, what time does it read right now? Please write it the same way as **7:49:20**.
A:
**7:59:23**
